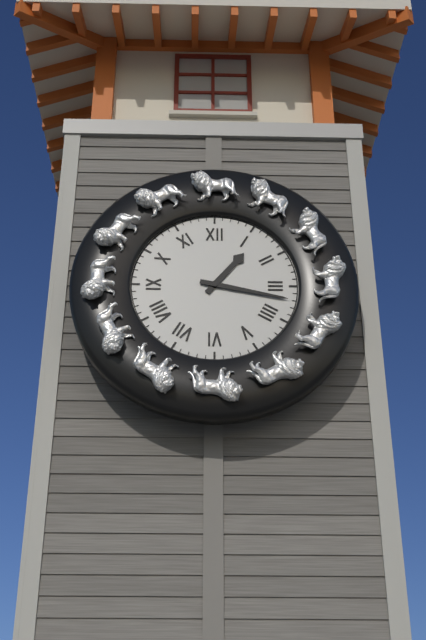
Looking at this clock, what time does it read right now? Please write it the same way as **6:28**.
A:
**1:17**
